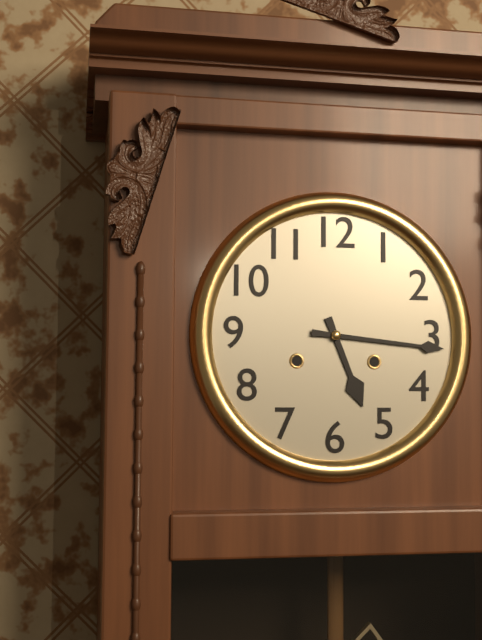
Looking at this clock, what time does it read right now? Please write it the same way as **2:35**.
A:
**5:16**
